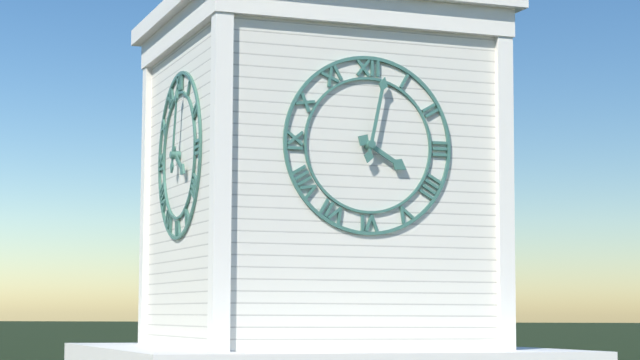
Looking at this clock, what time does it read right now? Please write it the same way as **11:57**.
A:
**4:02**
